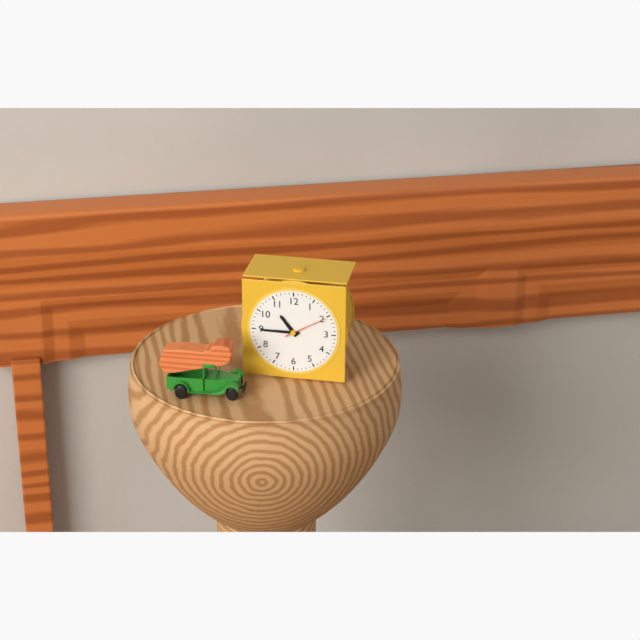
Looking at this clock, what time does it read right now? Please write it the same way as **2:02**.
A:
**10:45**
